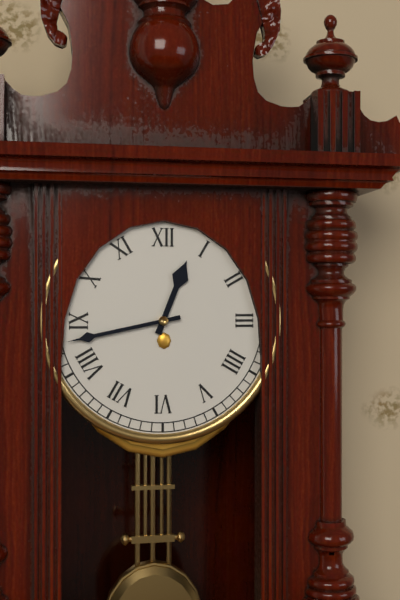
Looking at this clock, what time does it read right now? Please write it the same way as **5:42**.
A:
**12:43**
